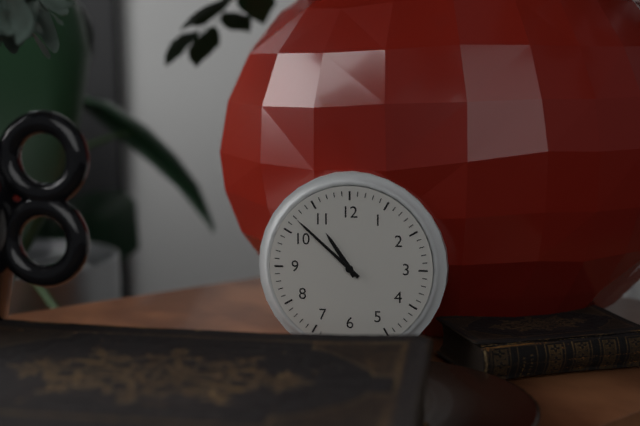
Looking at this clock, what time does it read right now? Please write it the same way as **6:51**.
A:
**10:52**
